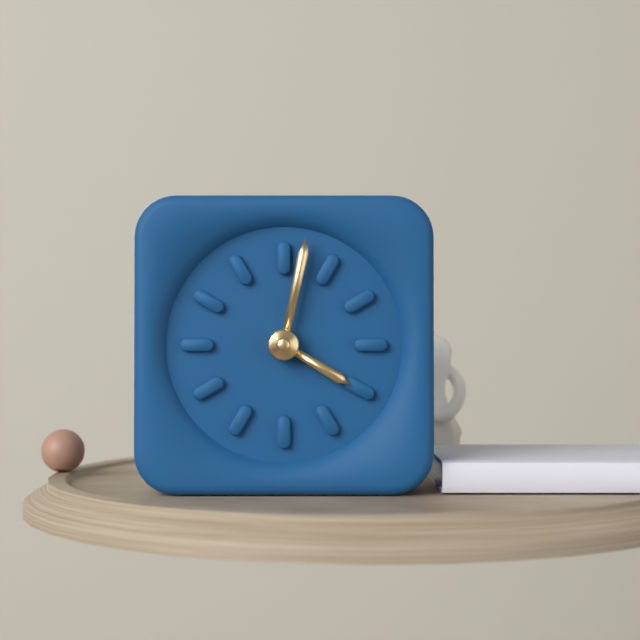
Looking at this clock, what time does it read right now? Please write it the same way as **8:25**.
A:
**4:02**
